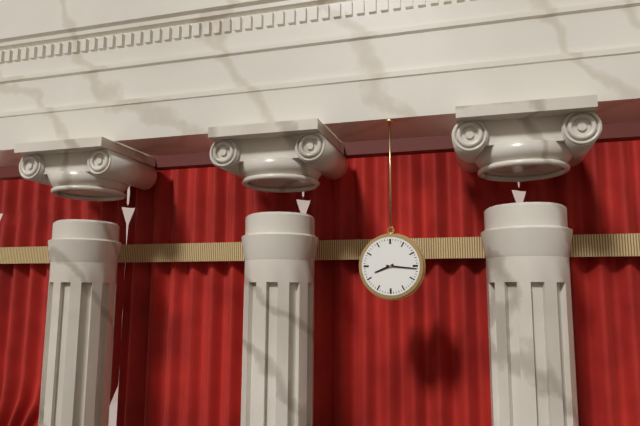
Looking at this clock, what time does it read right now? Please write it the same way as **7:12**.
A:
**8:16**
